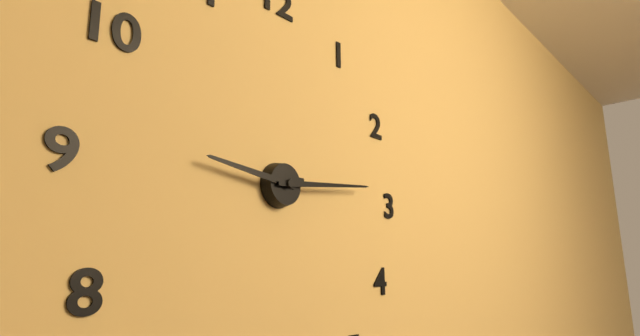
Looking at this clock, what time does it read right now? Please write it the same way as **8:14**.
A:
**9:14**
